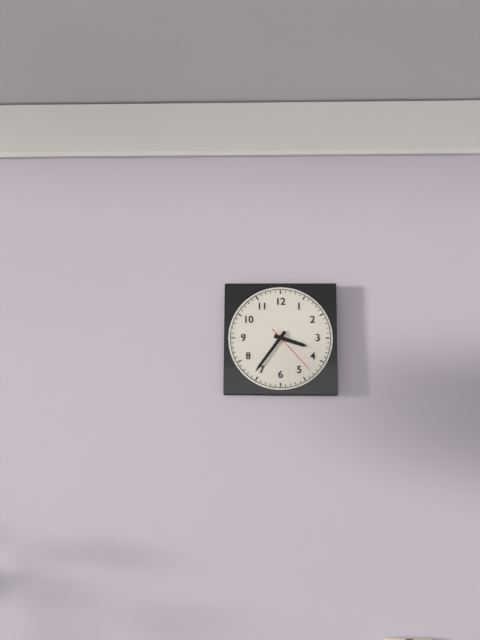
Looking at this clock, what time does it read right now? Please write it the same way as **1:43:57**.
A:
**3:36:23**
